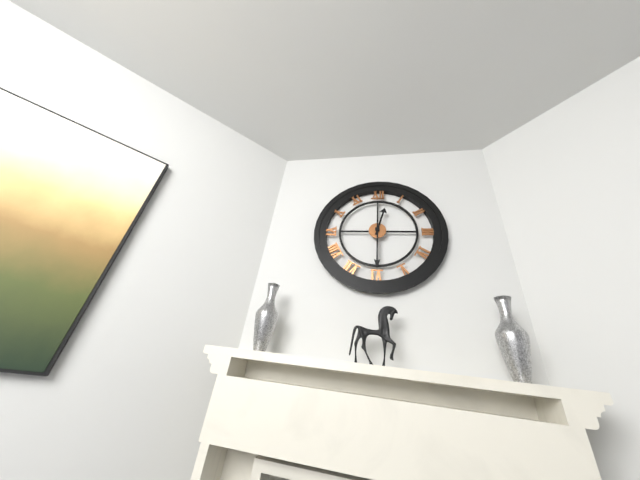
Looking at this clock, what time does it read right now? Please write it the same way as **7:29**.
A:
**12:30**
